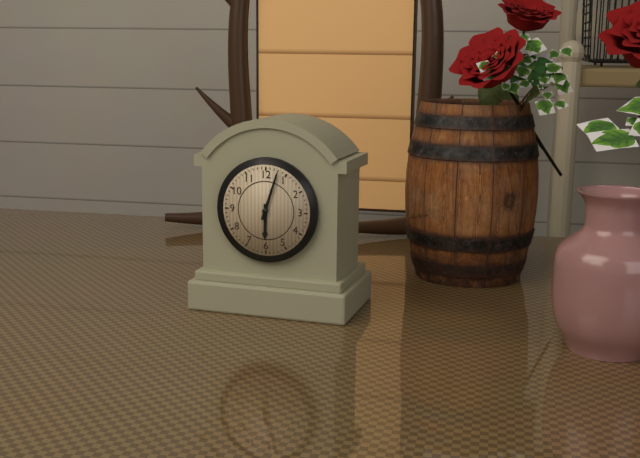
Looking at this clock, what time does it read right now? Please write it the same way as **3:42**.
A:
**6:03**
